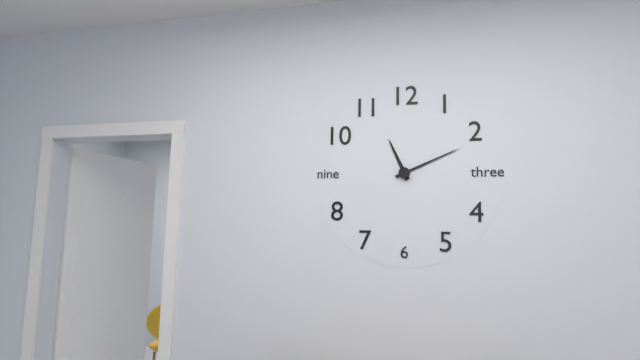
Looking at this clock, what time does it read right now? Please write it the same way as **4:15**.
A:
**11:11**
